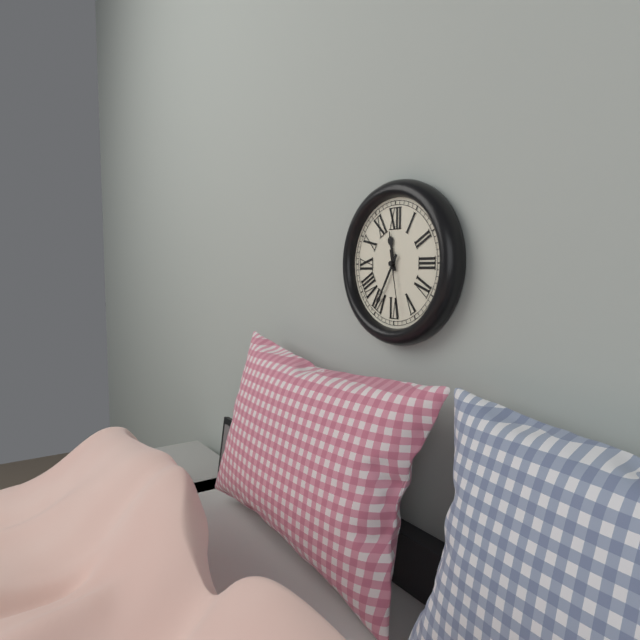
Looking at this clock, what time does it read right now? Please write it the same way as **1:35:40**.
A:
**11:35:28**
